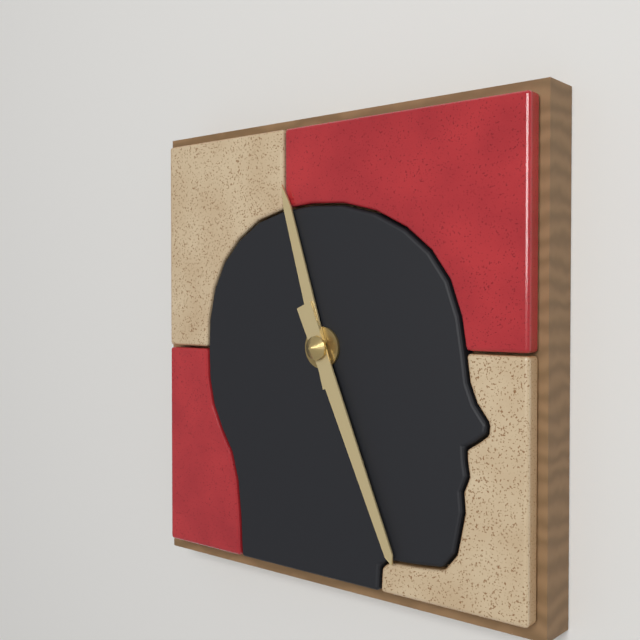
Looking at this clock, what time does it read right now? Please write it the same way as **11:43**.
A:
**11:26**
